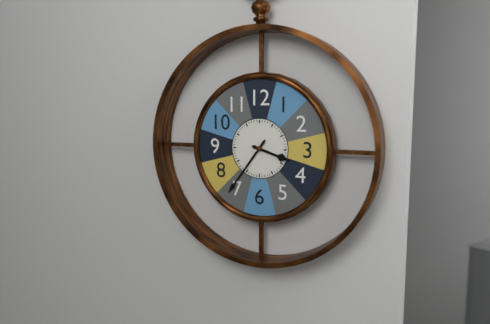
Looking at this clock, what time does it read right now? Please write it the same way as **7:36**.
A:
**3:36**
